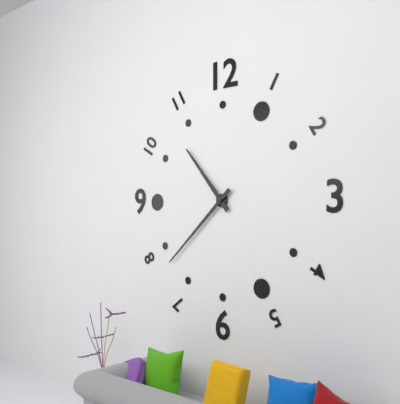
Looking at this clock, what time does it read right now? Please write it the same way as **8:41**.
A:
**10:38**
